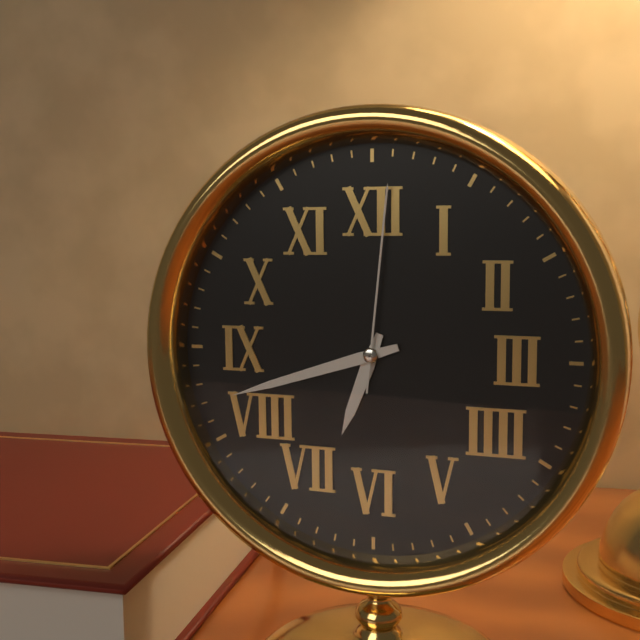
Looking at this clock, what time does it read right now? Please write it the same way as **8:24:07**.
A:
**6:42:01**
